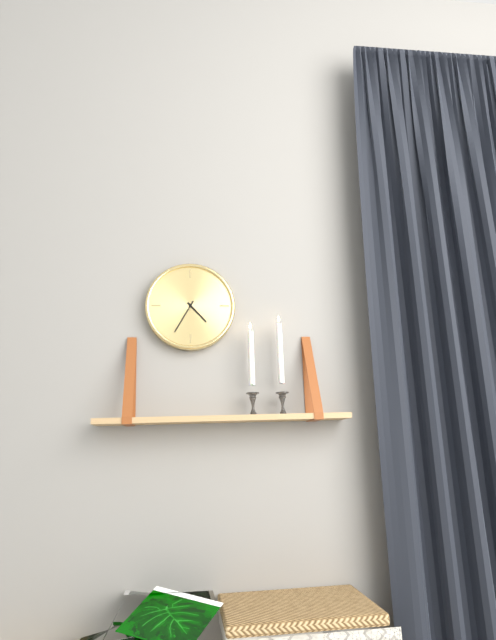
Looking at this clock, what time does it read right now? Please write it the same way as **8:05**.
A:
**4:35**
